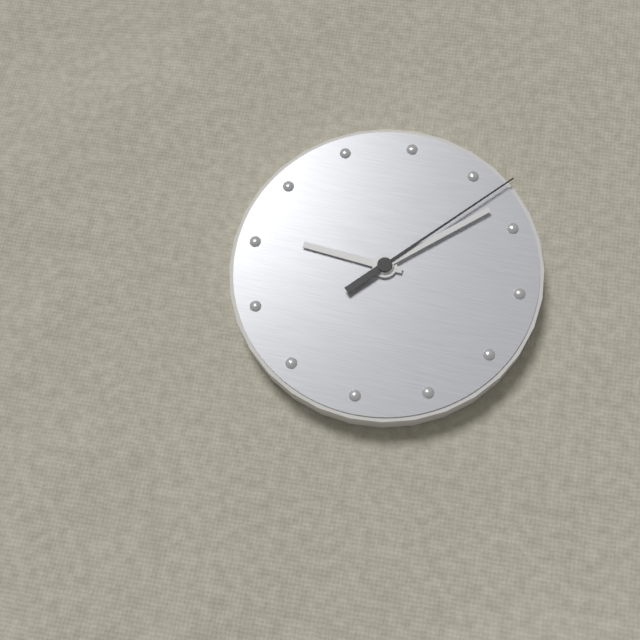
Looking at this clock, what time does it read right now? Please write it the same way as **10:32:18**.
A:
**9:08:07**
